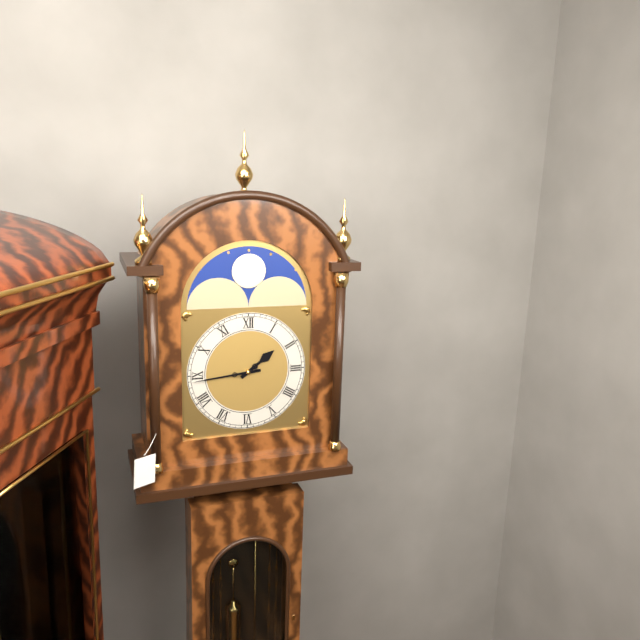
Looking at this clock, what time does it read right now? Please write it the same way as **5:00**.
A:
**1:44**
